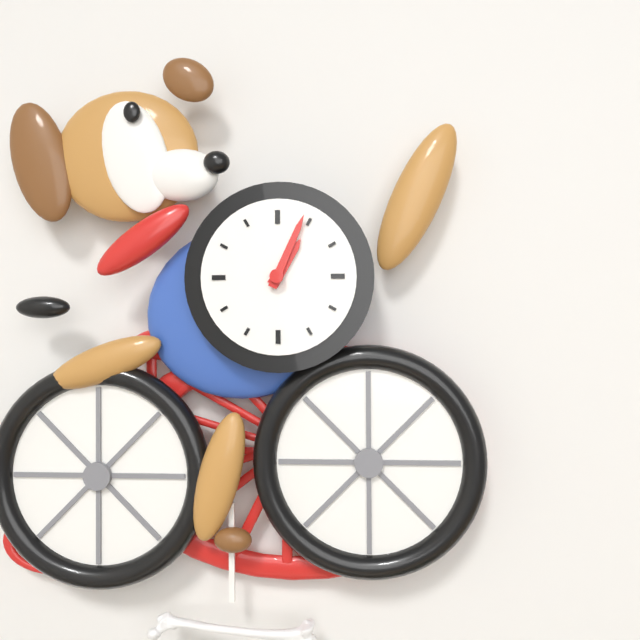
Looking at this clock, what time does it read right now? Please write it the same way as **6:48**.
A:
**1:04**
